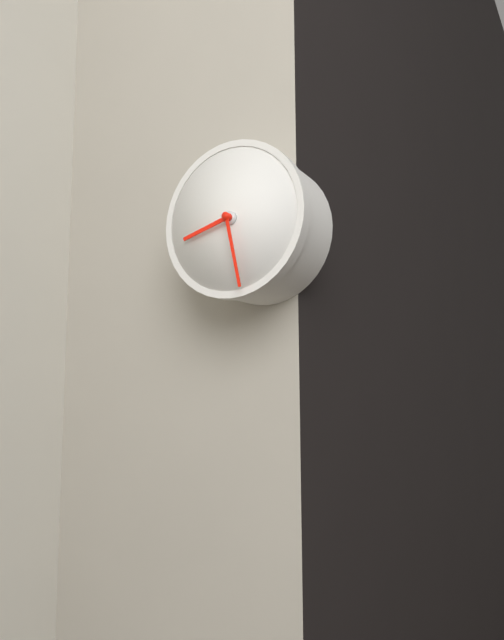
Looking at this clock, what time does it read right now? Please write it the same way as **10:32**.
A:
**8:28**
